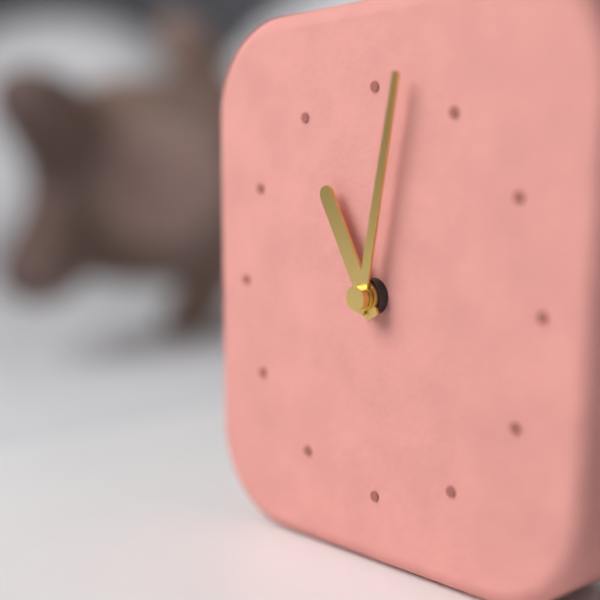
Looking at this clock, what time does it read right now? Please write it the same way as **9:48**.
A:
**11:02**
